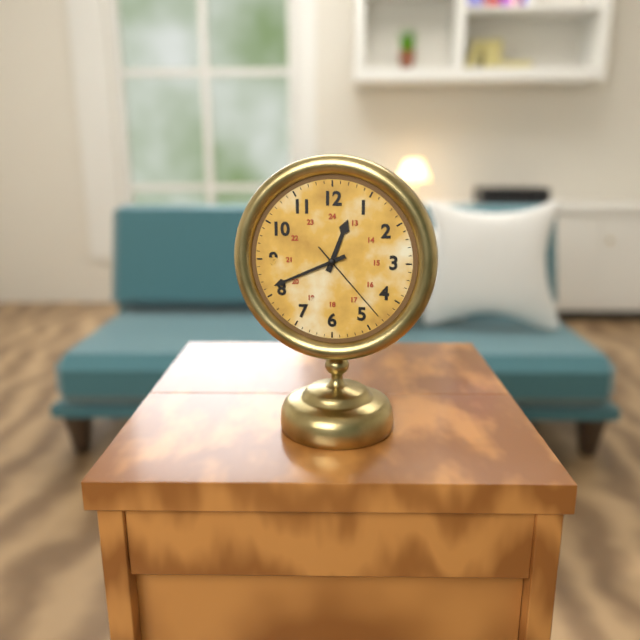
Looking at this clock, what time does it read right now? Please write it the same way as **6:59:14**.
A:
**12:41:23**
